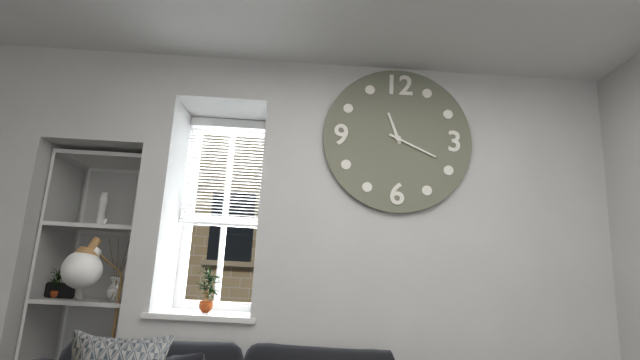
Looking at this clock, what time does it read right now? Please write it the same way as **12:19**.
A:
**11:19**
